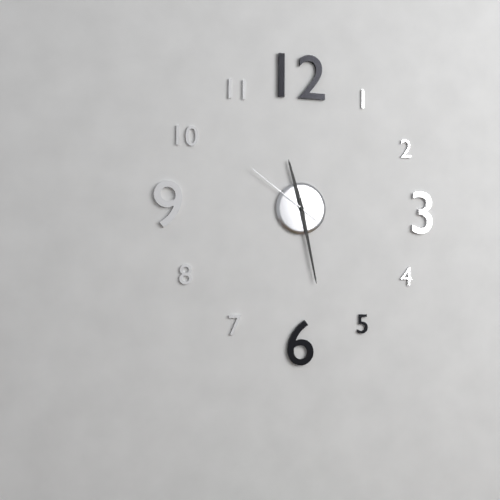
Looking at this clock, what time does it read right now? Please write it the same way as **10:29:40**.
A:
**11:28:51**
